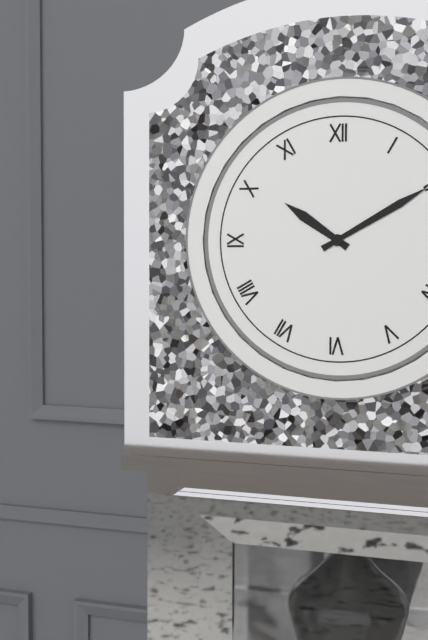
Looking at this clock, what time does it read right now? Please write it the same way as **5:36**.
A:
**10:10**
